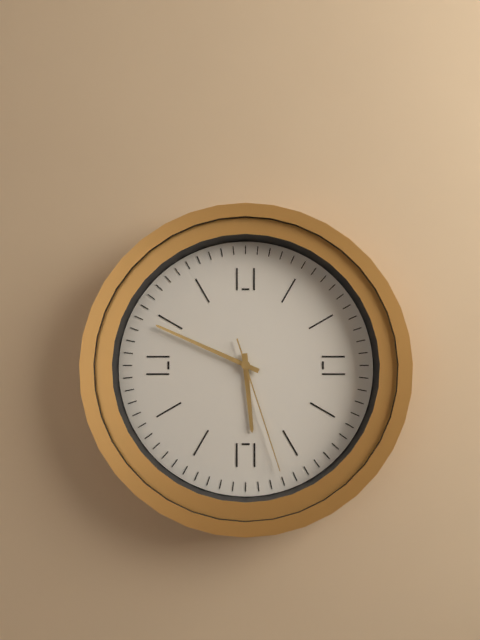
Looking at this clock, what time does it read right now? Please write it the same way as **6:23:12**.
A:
**5:49:27**
